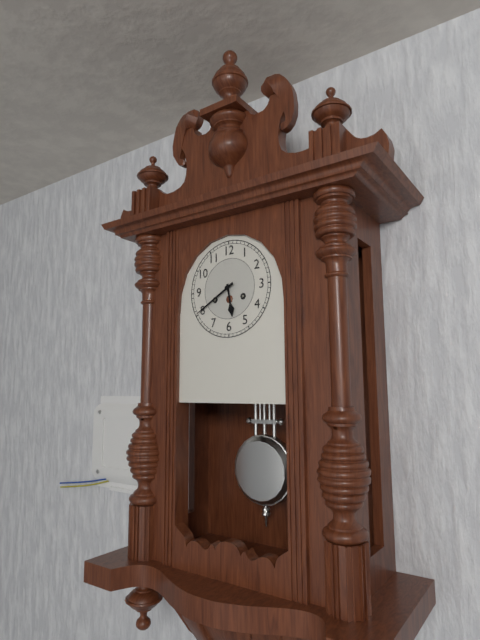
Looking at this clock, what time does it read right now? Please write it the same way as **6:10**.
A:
**5:40**
